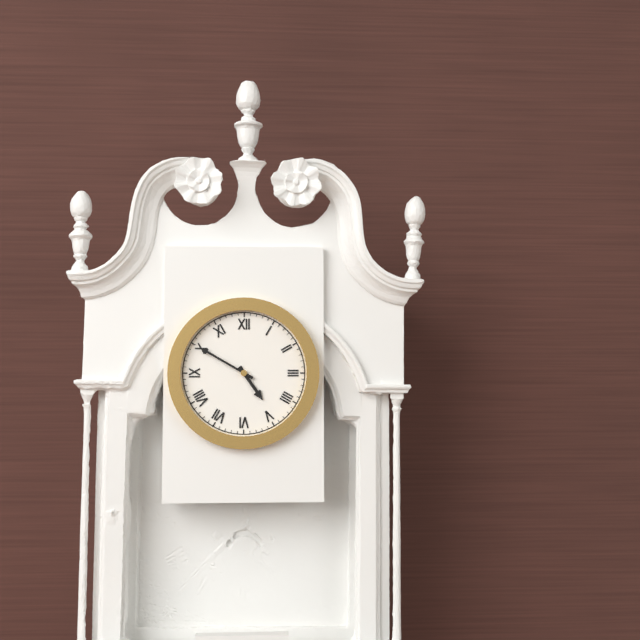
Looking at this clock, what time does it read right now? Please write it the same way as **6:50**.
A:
**4:50**
